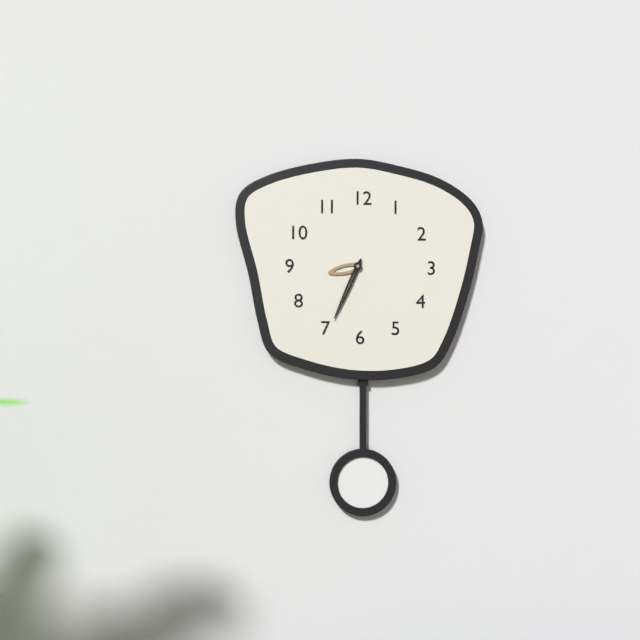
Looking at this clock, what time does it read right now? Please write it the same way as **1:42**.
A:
**8:34**
